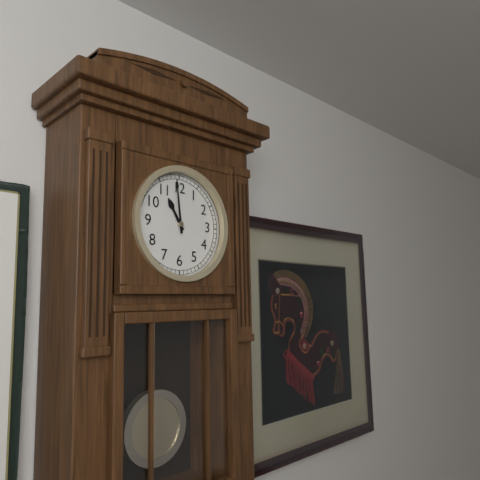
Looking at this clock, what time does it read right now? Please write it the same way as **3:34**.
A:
**10:59**
